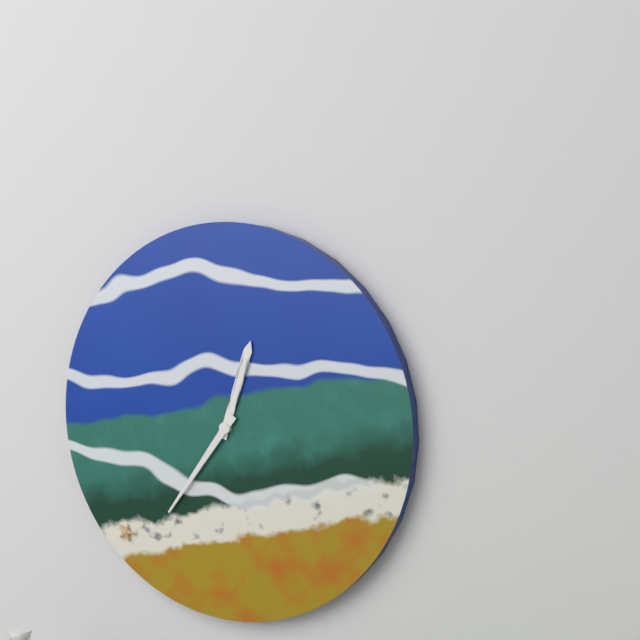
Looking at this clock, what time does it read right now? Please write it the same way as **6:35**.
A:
**12:36**
